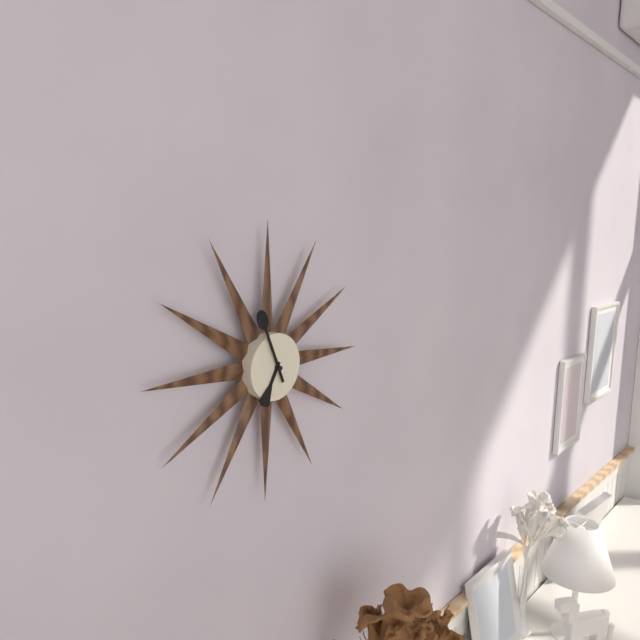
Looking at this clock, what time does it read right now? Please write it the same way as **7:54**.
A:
**6:56**
